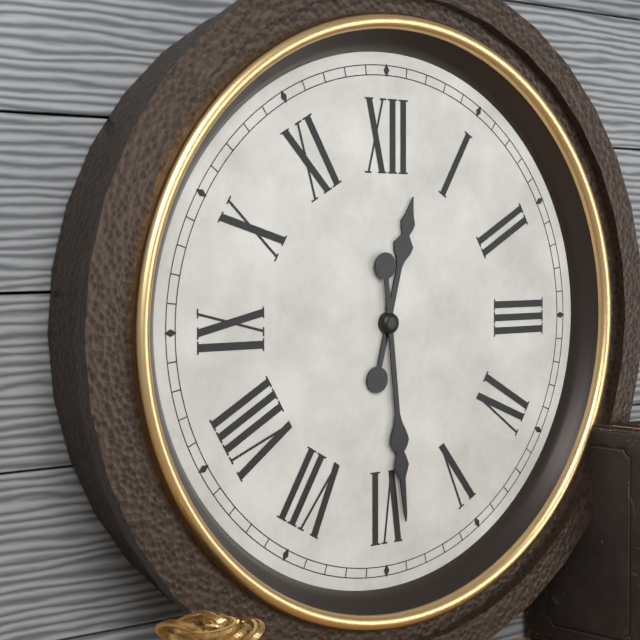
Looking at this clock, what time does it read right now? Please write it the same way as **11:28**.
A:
**12:29**
